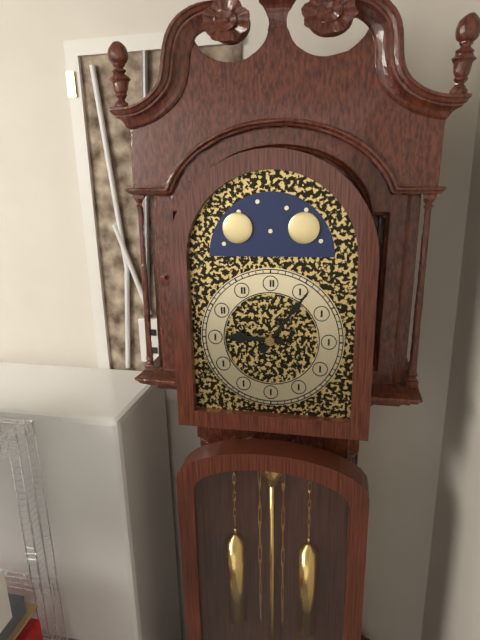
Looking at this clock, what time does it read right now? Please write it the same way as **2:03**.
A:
**9:06**
